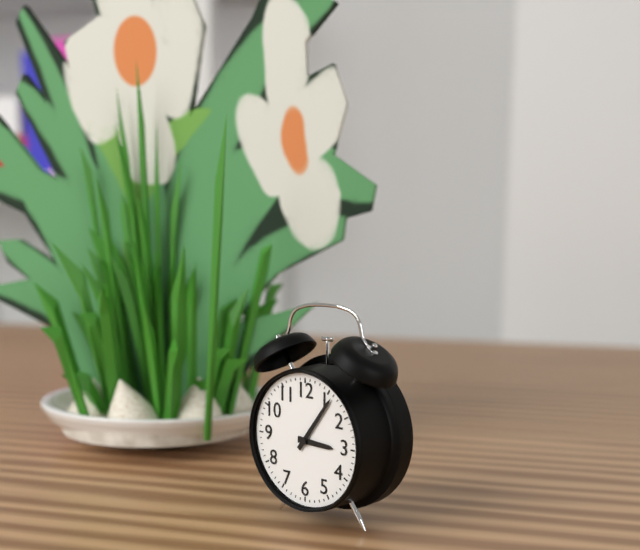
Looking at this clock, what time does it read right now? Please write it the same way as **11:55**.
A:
**3:06**
